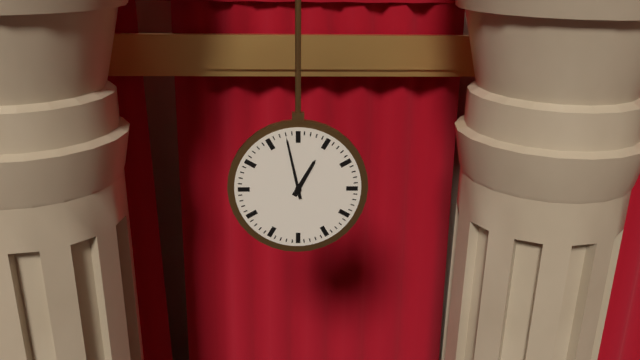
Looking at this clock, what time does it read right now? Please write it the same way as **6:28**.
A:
**12:58**
